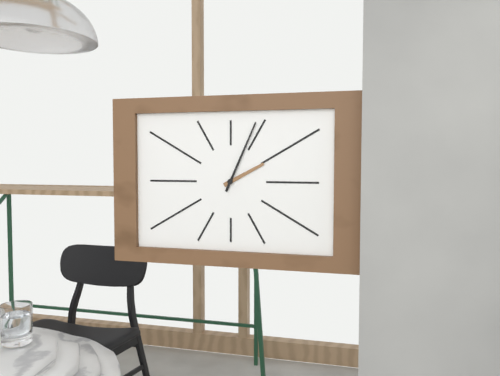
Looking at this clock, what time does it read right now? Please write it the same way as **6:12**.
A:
**2:04**
